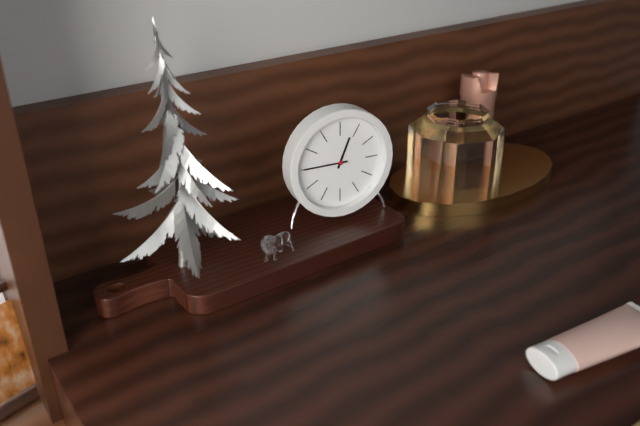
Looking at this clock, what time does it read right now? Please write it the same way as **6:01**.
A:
**12:45**
